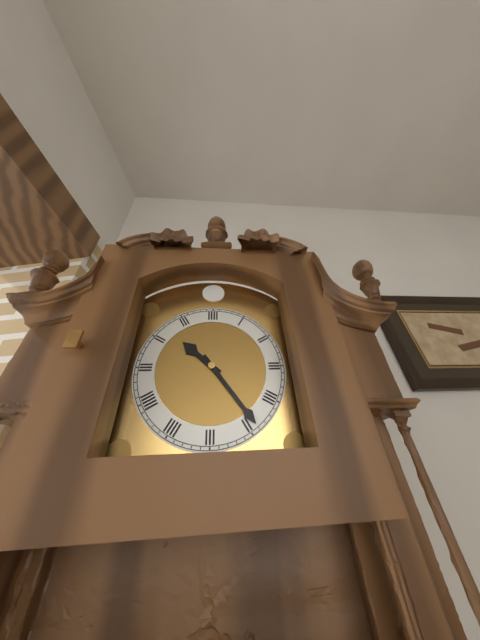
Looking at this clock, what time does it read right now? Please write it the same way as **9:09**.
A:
**10:24**
